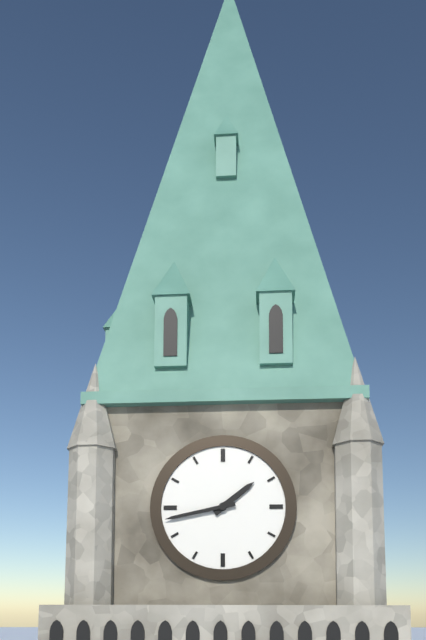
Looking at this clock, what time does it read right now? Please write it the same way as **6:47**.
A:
**1:43**
